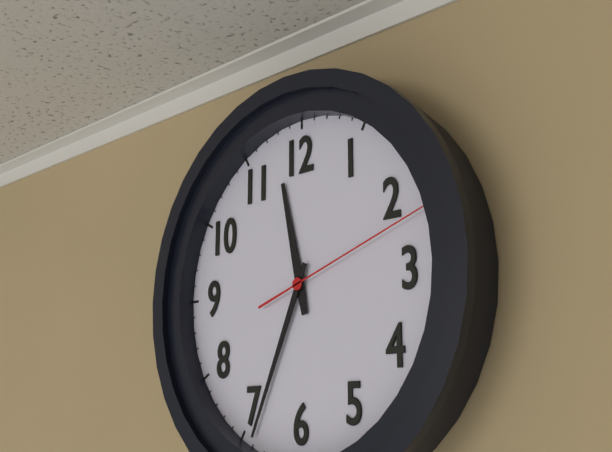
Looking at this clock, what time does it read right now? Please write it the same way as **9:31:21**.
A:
**11:34:12**
